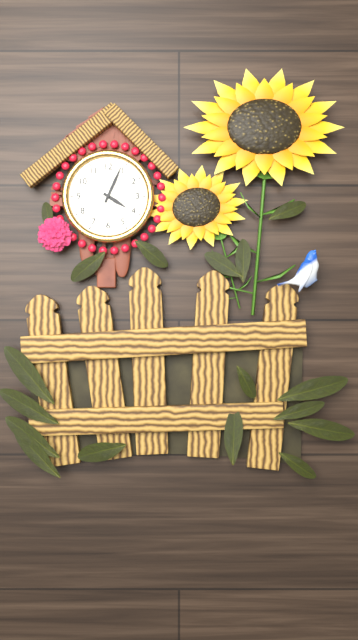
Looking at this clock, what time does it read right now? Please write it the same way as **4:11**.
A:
**4:04**
